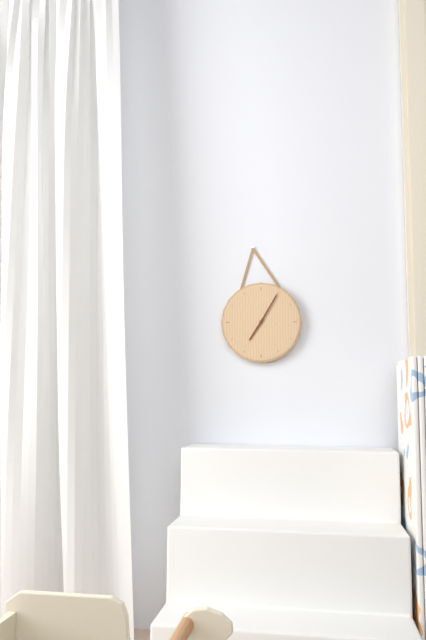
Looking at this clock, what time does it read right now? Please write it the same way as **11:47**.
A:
**7:05**
